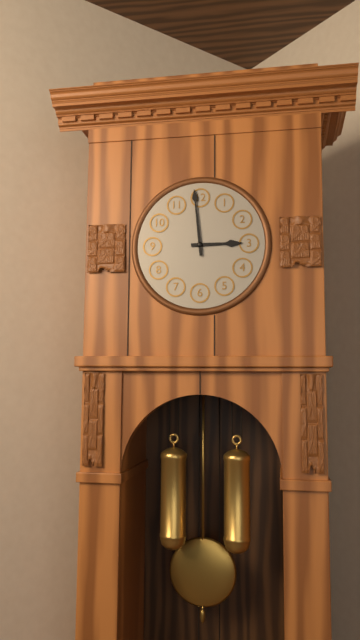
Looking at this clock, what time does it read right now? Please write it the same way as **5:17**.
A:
**2:59**
